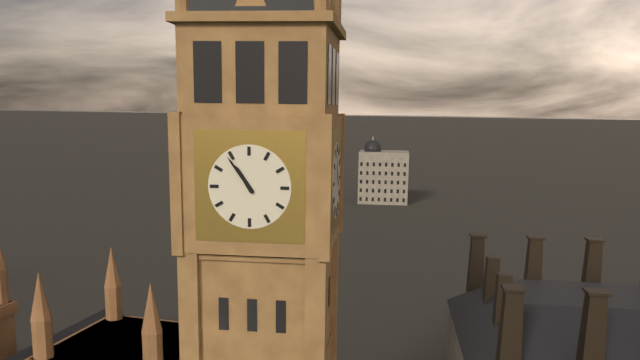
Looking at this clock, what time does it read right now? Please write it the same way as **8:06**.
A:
**10:54**
